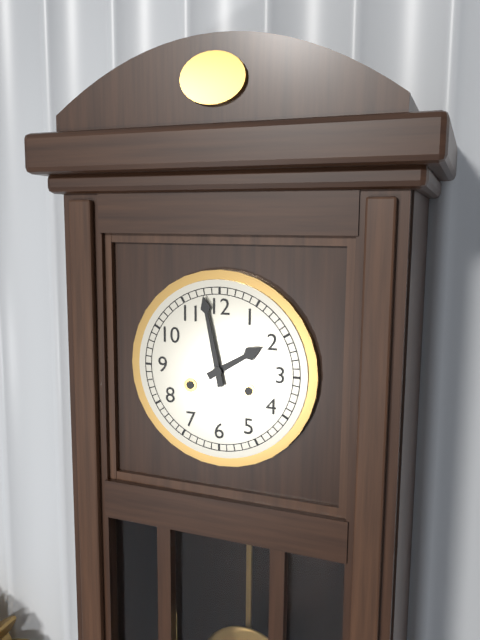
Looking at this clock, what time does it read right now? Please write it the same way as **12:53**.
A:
**1:58**
